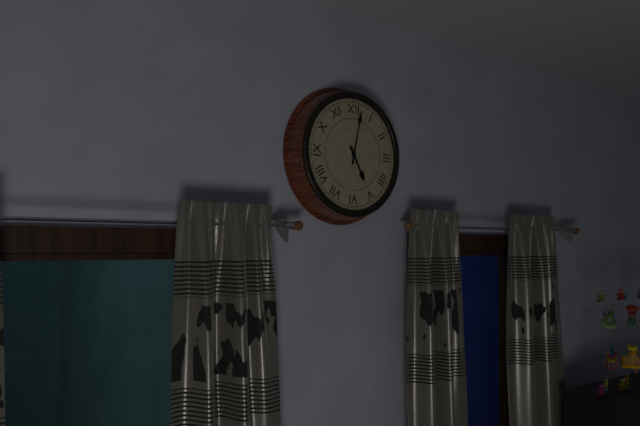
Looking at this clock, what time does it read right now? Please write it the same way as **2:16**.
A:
**5:02**
